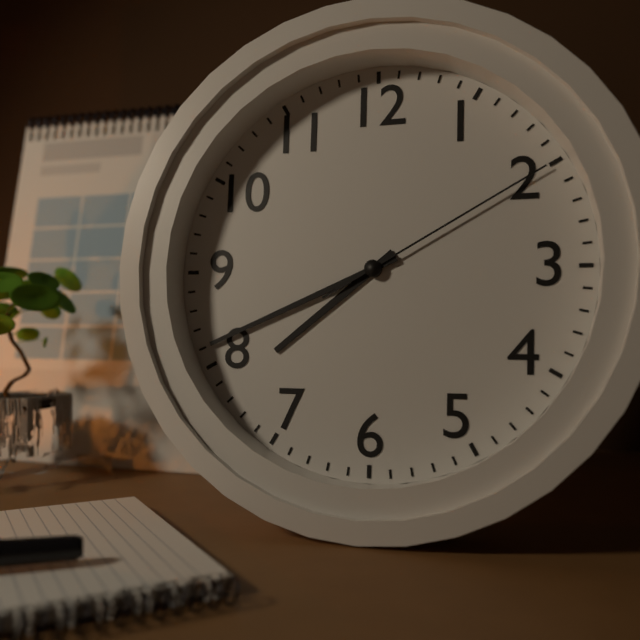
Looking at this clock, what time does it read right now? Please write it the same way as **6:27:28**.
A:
**7:41:10**
